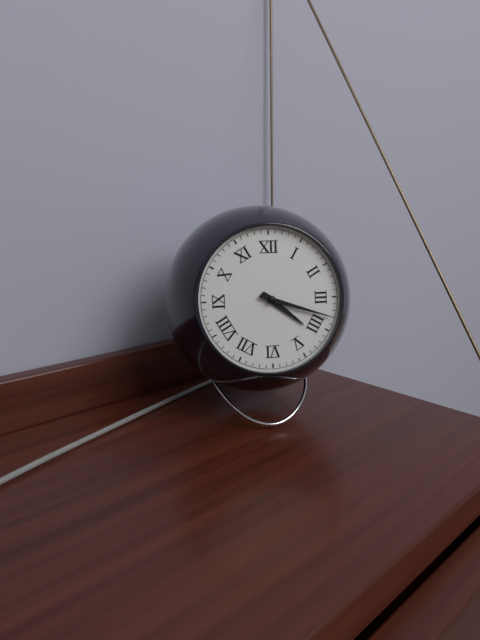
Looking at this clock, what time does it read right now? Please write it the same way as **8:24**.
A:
**4:18**
